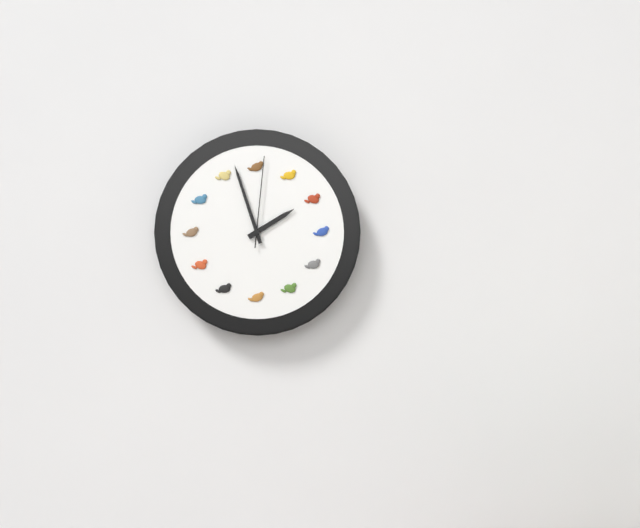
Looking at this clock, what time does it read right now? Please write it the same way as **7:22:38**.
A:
**1:57:01**
